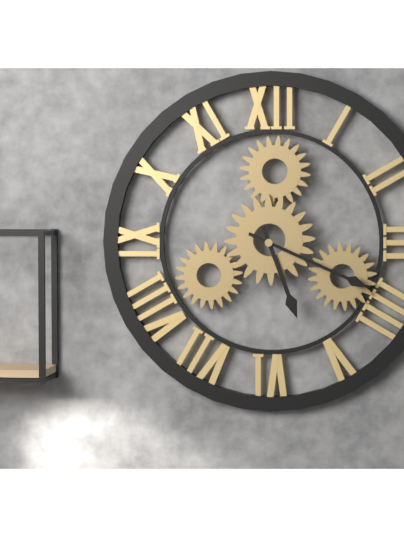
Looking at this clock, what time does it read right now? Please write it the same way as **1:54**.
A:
**5:19**
